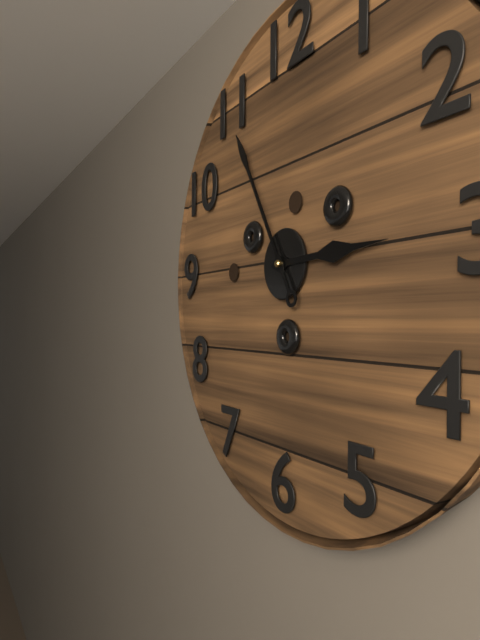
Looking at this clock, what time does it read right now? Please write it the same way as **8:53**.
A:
**2:55**
